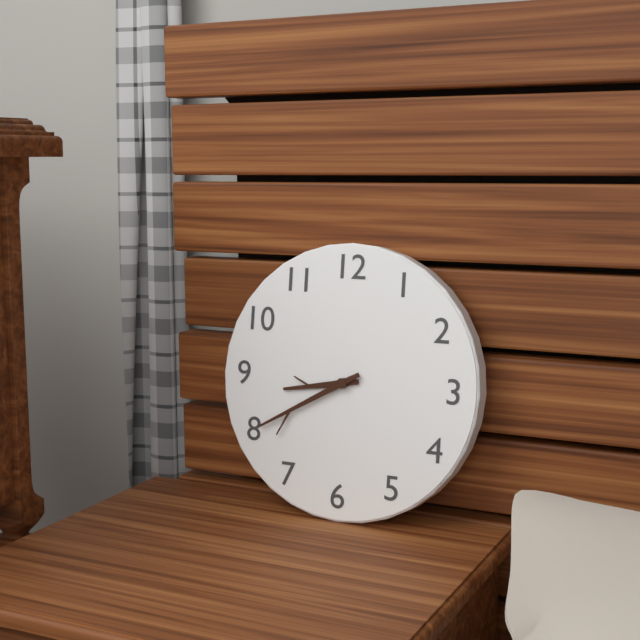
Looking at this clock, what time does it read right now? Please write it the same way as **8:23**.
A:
**8:40**
